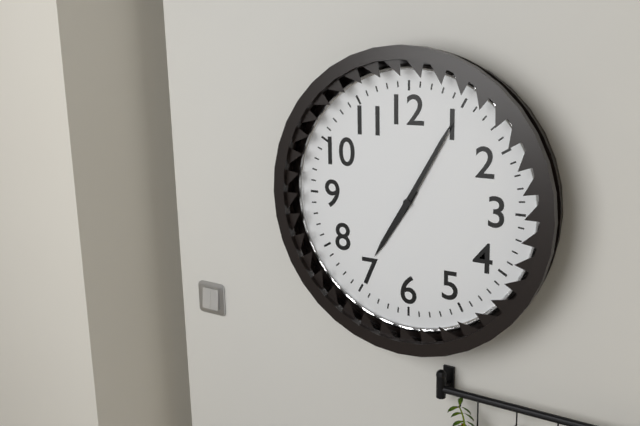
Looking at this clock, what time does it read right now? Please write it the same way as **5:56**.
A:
**7:05**
